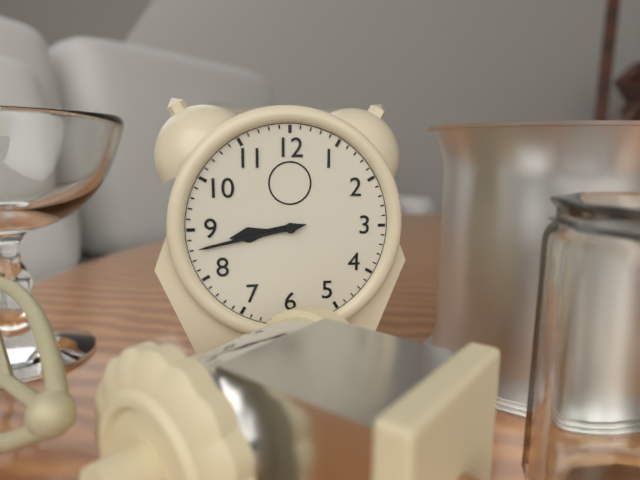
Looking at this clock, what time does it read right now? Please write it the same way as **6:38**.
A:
**8:43**
